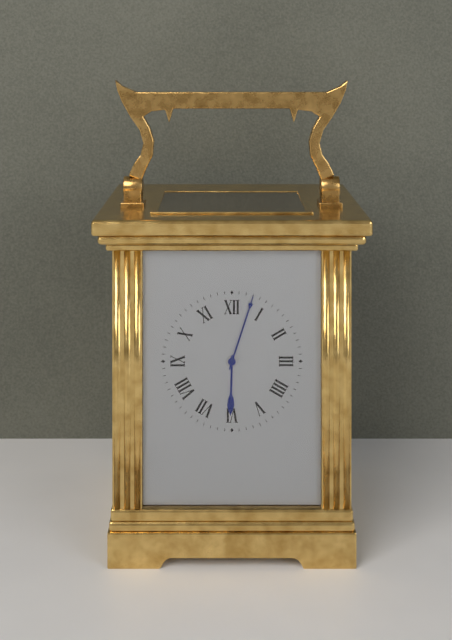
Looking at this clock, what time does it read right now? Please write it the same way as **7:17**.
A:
**6:03**
